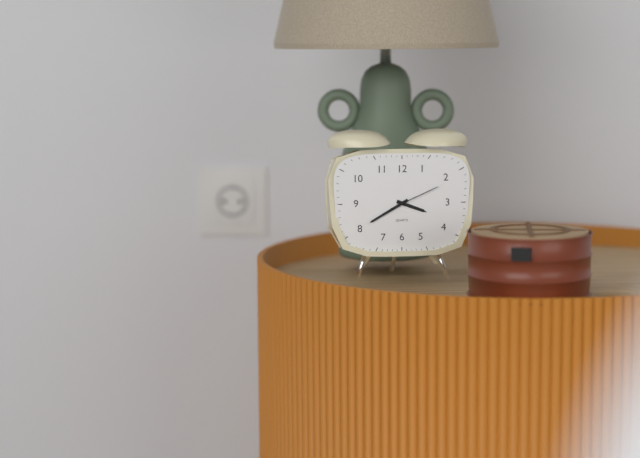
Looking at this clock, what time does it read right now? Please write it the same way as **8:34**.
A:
**3:40**
